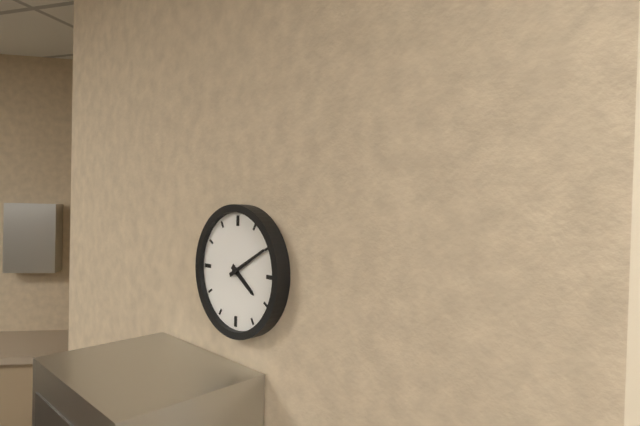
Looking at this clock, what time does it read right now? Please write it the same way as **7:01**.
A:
**4:10**
